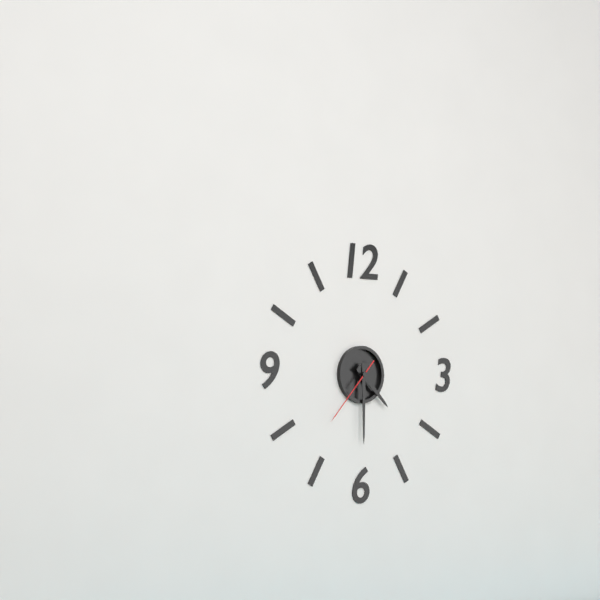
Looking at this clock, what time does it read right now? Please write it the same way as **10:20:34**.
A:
**4:30:37**
